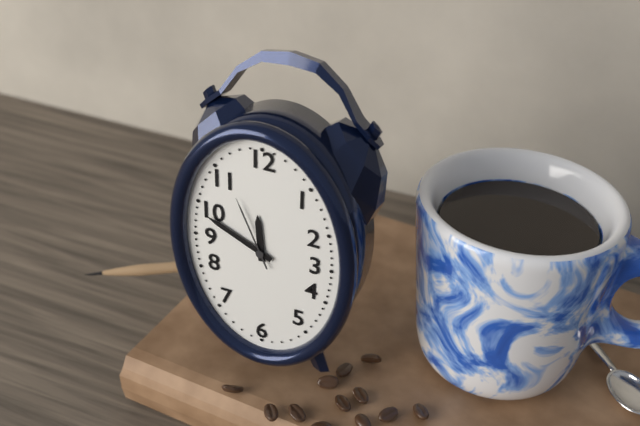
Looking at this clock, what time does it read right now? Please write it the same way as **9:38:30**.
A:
**11:49:56**
